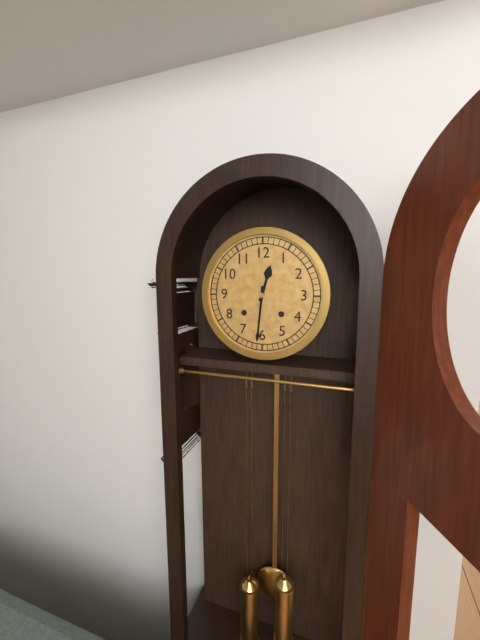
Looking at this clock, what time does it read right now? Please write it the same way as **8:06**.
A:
**12:31**
